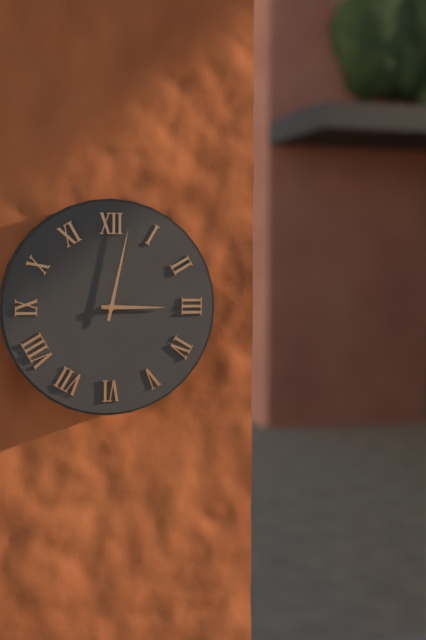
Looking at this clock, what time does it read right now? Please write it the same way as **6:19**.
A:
**3:02**
